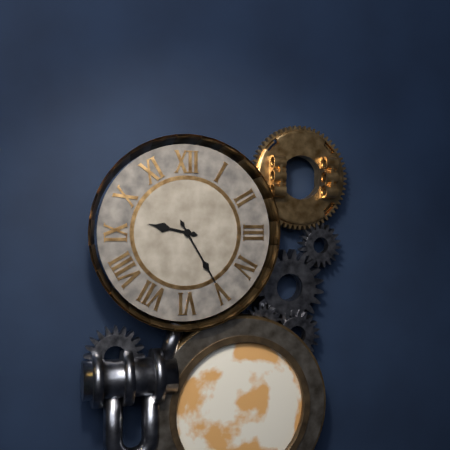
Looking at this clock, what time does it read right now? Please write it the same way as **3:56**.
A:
**9:25**
